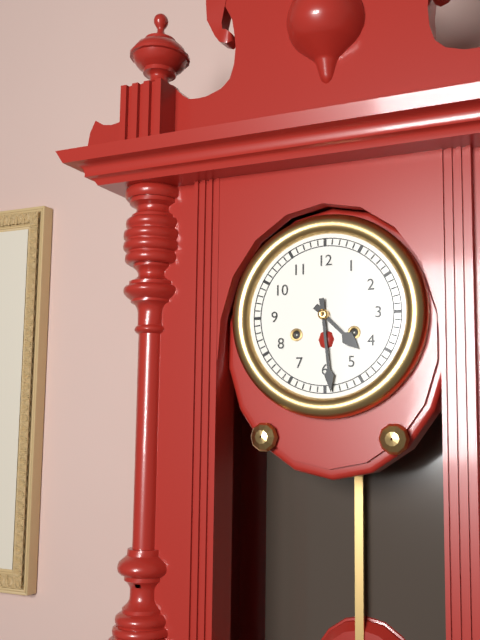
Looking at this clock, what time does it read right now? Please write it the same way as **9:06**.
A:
**4:29**
